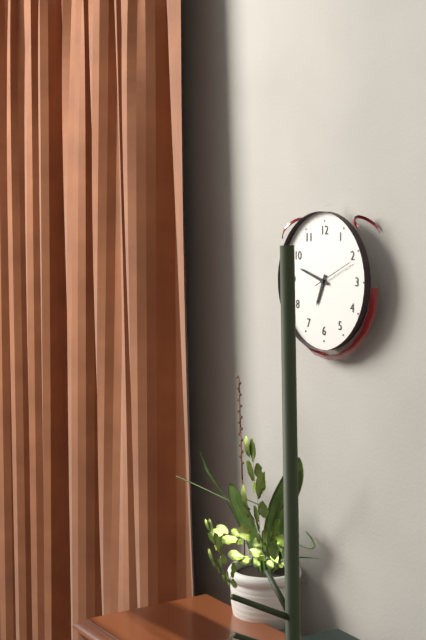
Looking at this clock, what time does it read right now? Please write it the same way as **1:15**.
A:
**6:48**
